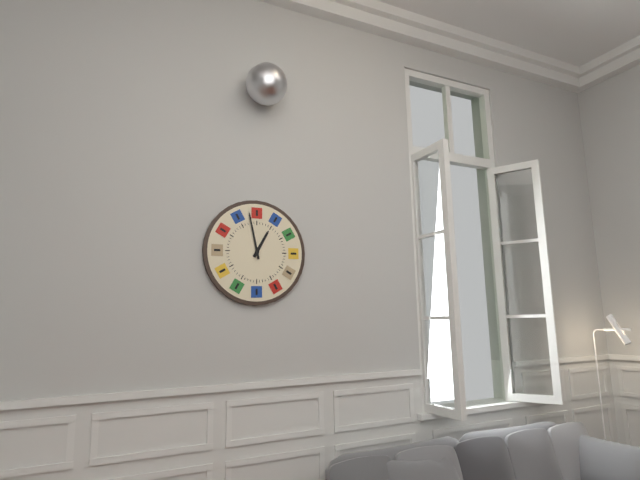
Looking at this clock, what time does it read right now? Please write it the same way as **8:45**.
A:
**12:58**
